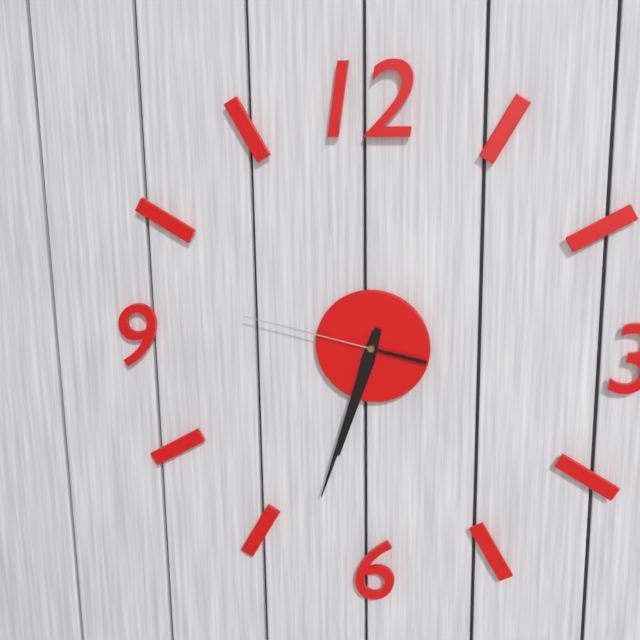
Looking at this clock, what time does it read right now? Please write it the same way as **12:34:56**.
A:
**6:33:47**
